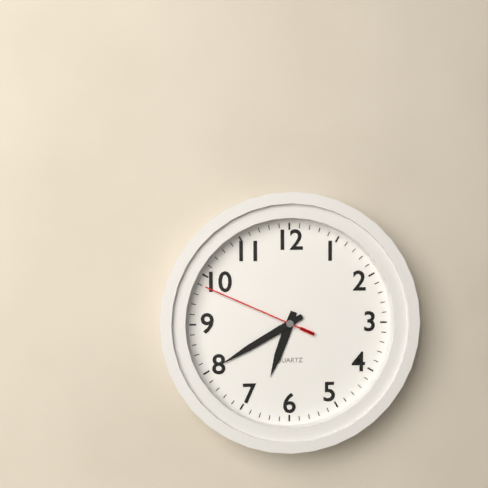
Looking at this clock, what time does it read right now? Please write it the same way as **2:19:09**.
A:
**6:40:49**
